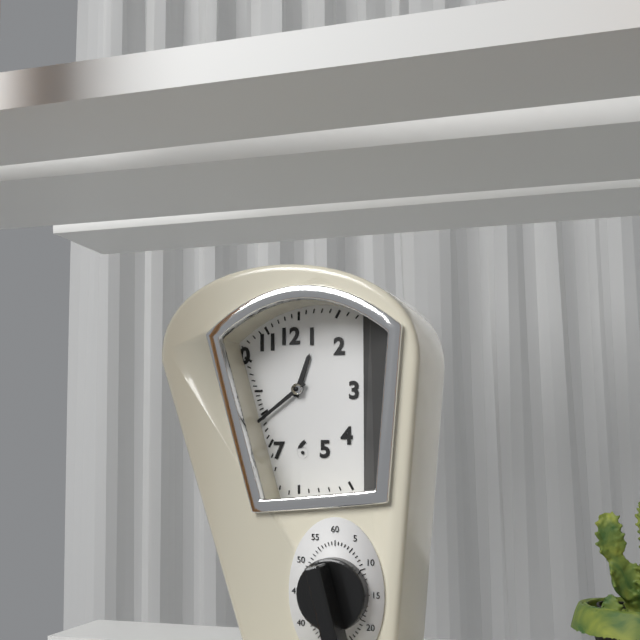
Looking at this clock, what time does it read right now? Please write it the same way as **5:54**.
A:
**12:39**
